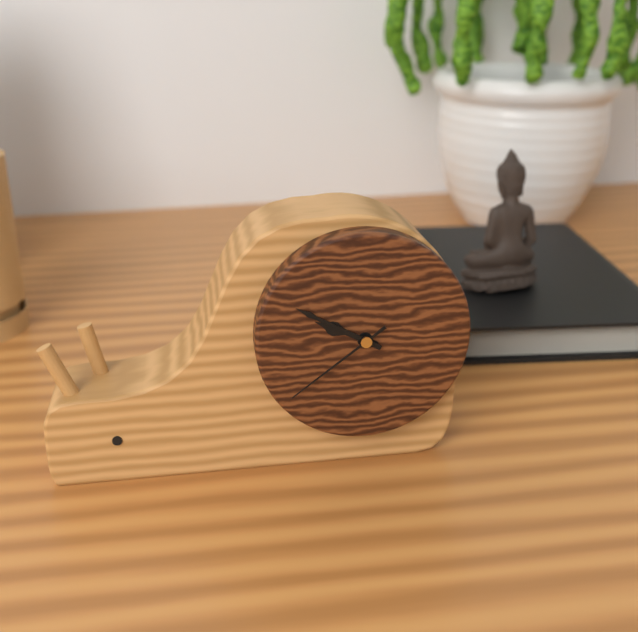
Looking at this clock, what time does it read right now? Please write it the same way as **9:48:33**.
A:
**9:50:39**
